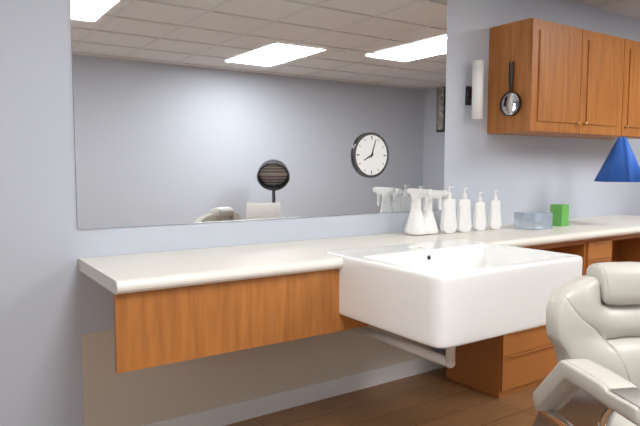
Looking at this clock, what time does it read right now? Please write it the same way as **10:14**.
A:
**8:03**
